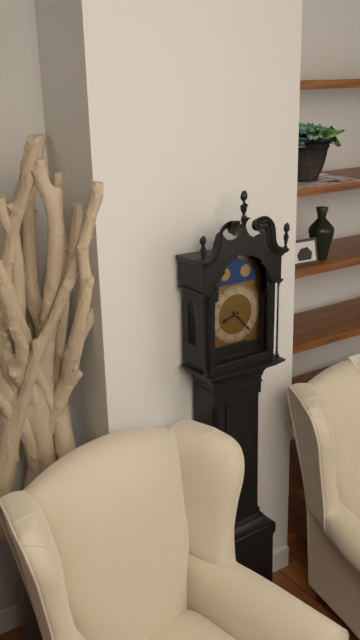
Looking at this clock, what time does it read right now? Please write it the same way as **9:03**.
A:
**8:23**
